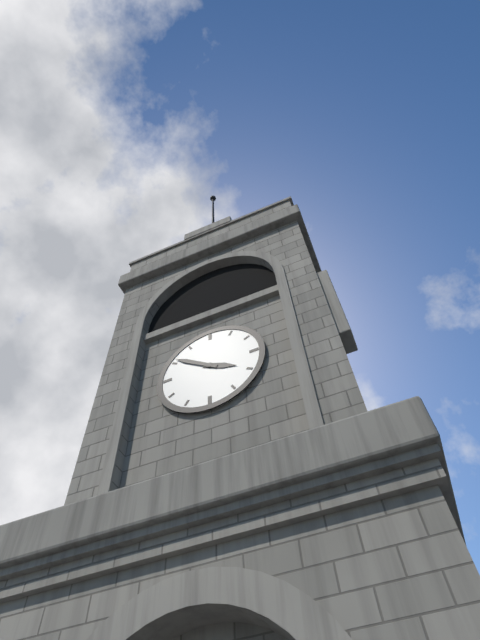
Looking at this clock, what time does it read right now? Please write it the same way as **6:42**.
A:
**3:51**
